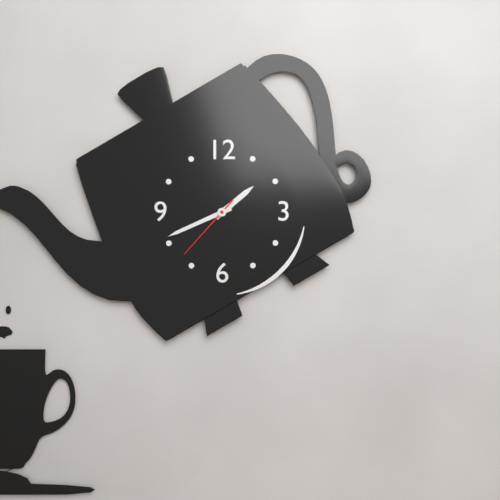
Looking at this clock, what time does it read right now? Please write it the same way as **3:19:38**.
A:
**1:41:37**
